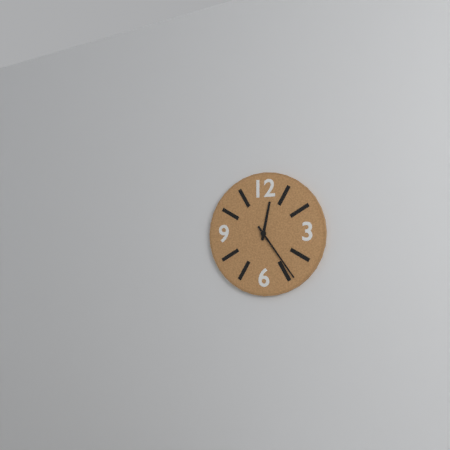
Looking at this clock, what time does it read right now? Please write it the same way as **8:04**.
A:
**12:24**
